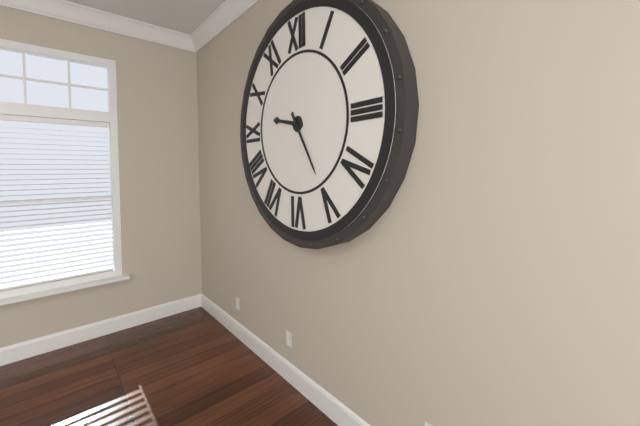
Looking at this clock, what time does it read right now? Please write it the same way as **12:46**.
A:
**9:25**
